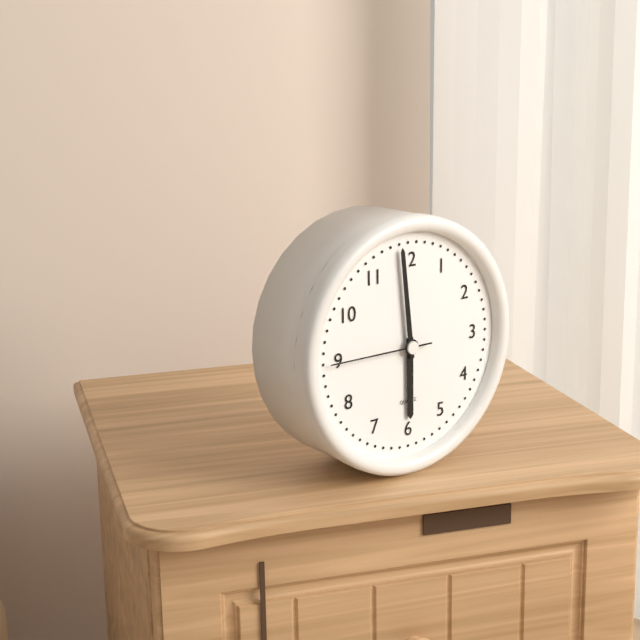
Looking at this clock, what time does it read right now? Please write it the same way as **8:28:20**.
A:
**5:59:45**
